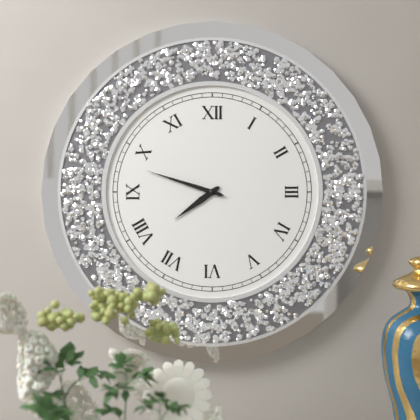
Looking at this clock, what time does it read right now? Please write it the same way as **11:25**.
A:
**7:48**
